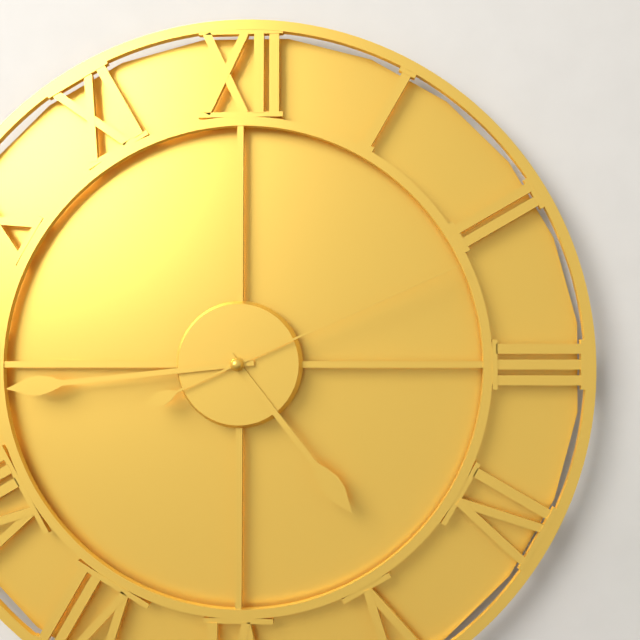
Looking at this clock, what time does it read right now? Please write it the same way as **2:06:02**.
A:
**4:44:11**
